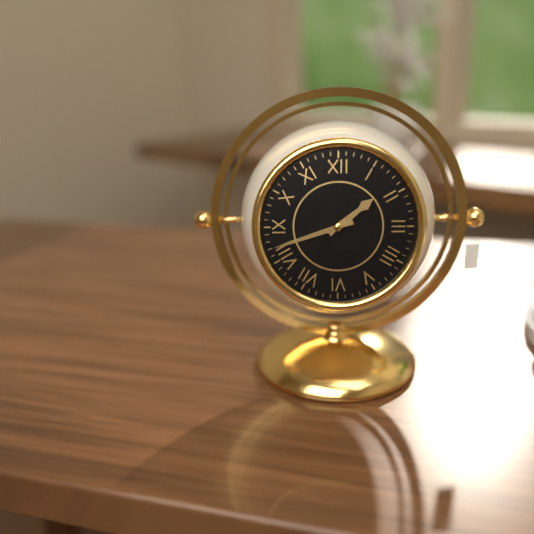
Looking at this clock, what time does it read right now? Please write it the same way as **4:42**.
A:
**1:42**
